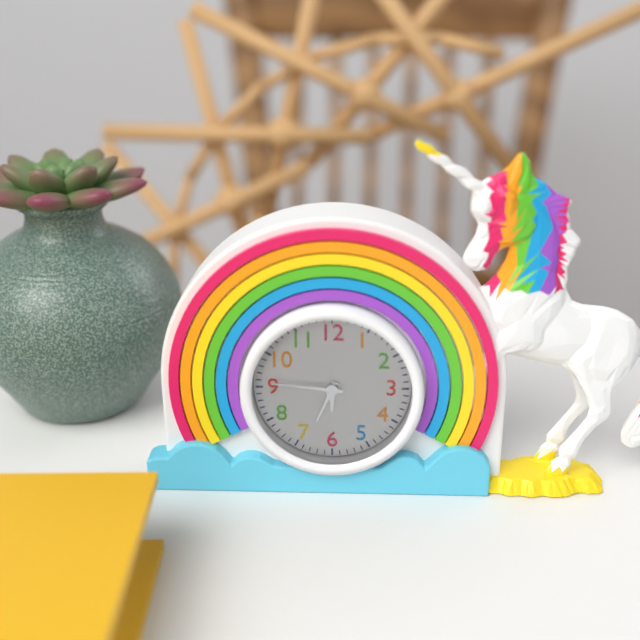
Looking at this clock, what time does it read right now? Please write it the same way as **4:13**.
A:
**6:46**
